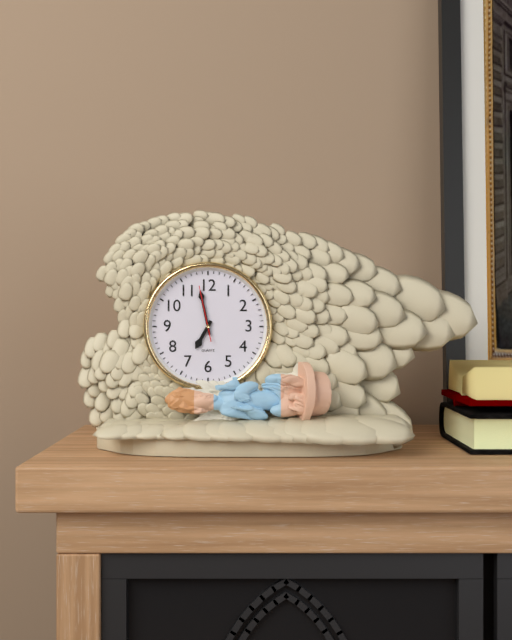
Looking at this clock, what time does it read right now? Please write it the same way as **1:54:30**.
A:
**6:58:58**
